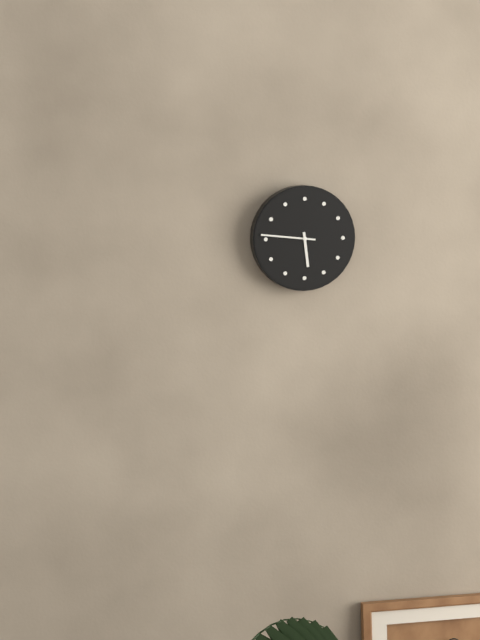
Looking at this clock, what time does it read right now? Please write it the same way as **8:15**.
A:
**5:46**
